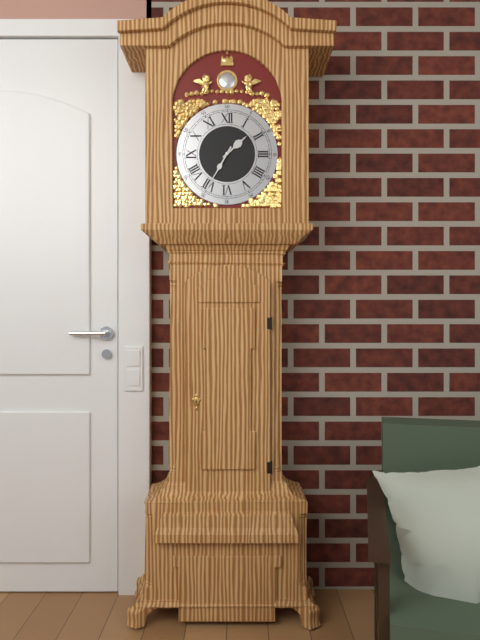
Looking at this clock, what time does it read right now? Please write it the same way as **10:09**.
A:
**1:35**
